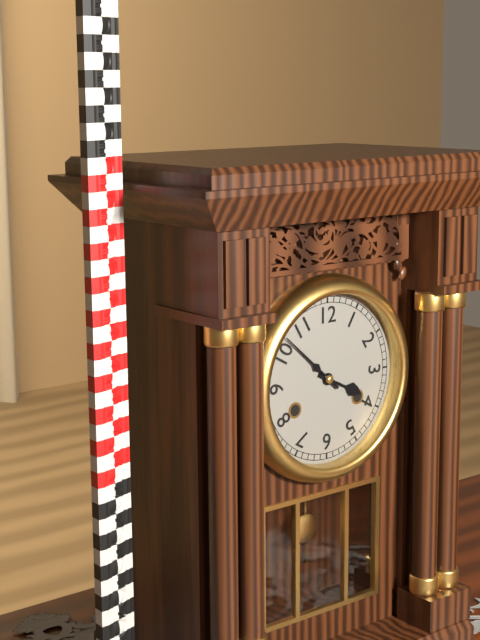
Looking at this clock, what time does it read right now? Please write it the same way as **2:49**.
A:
**3:52**
